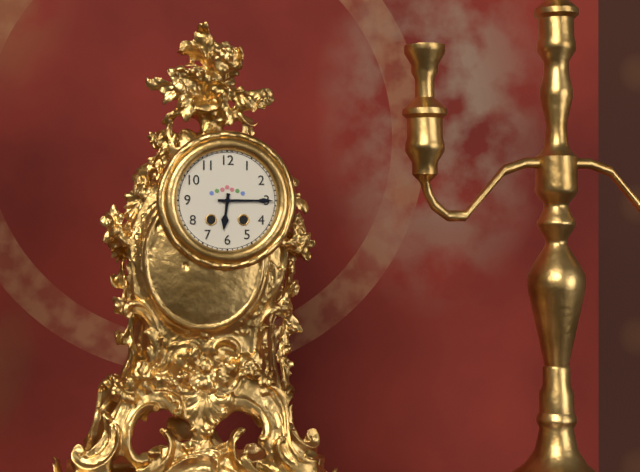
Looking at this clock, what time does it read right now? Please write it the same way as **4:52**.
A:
**6:15**
